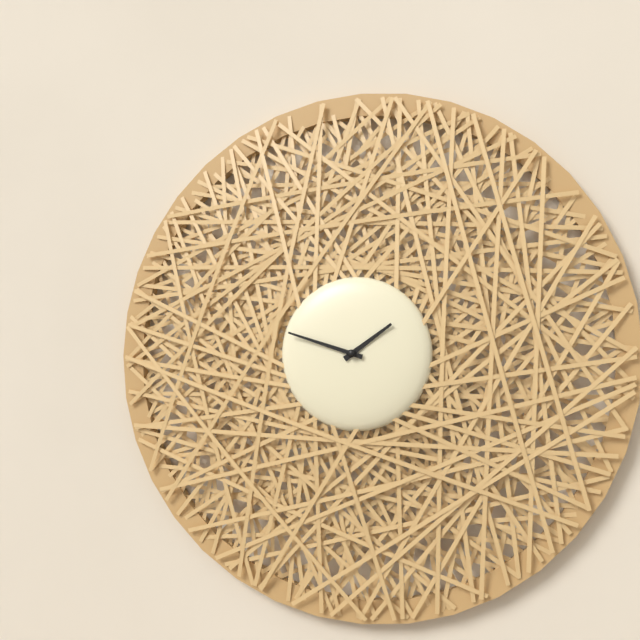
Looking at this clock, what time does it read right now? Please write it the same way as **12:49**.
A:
**1:48**
